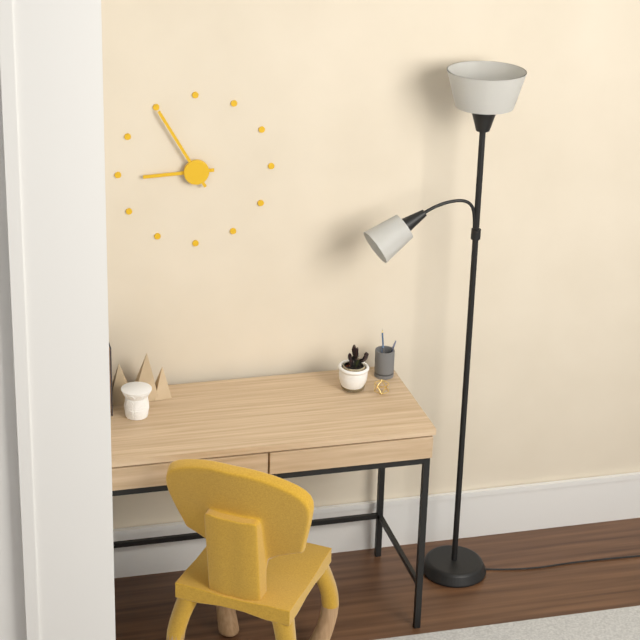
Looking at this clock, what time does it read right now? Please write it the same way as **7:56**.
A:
**8:55**
